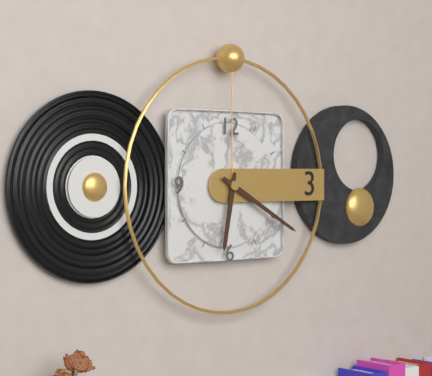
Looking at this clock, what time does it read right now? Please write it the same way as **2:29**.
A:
**6:20**
